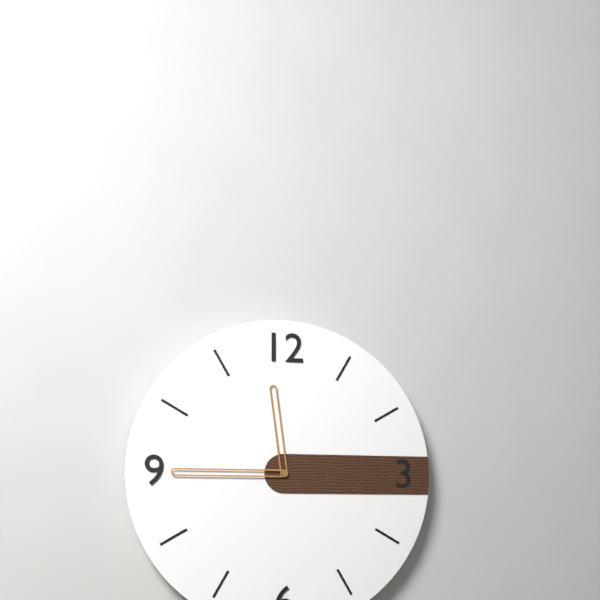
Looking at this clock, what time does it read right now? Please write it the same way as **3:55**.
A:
**11:45**
